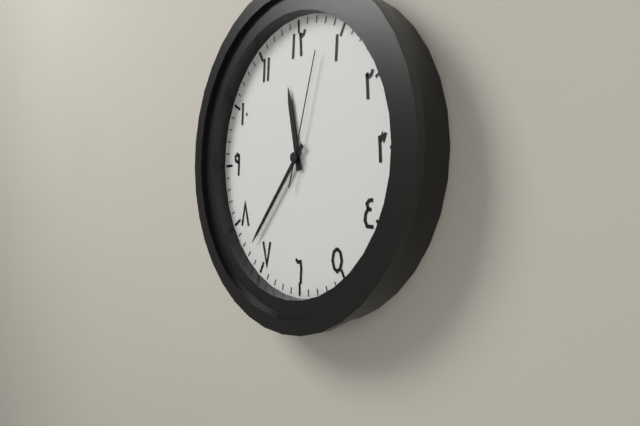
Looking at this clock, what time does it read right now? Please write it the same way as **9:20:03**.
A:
**11:37:03**
